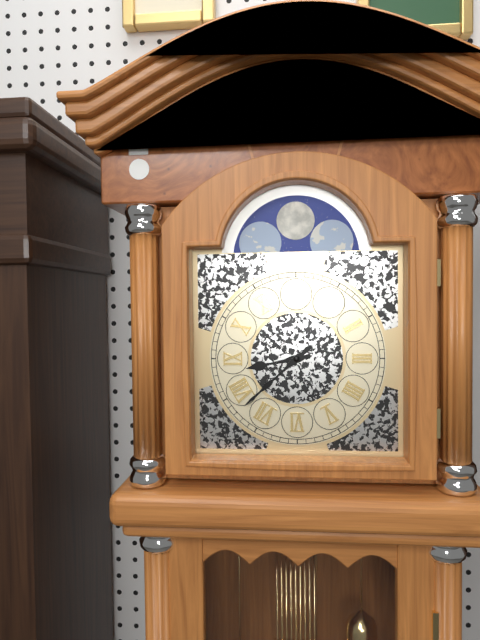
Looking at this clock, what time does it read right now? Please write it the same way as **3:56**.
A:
**8:38**
